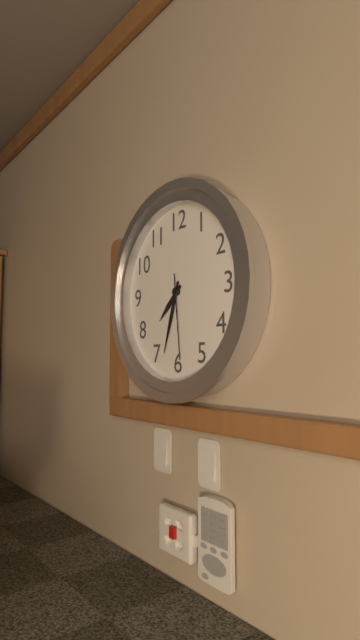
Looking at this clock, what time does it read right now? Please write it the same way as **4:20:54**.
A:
**7:33:29**
